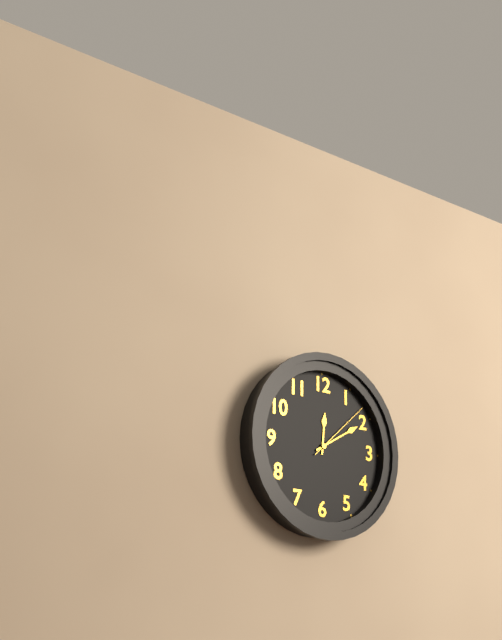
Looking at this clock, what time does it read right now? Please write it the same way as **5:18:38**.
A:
**12:10:08**
